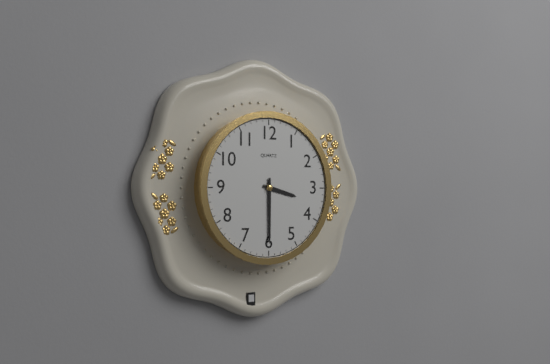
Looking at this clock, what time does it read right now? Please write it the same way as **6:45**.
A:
**3:30**
